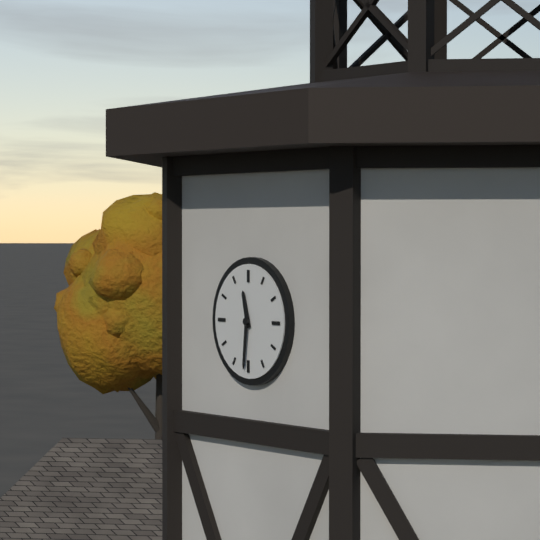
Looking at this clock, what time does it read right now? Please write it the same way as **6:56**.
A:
**11:31**
